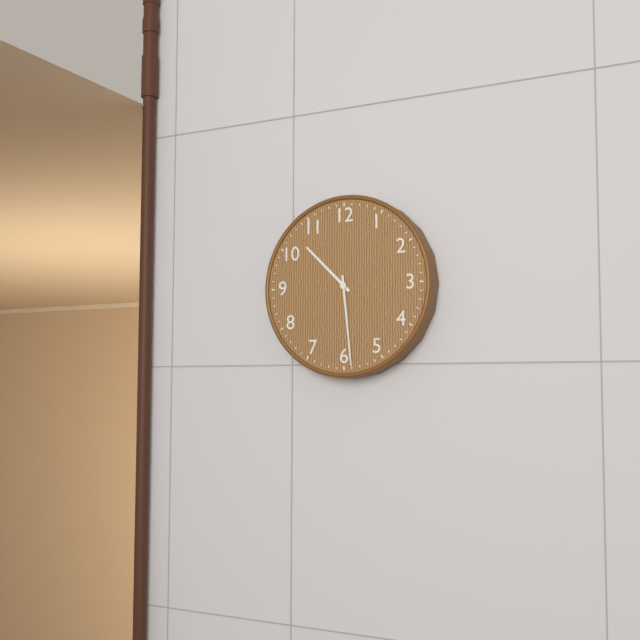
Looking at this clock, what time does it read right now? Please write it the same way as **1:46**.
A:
**10:29**
